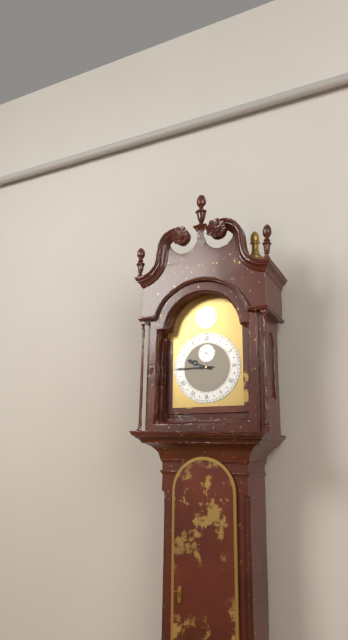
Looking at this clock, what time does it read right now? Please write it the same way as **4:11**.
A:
**9:45**
